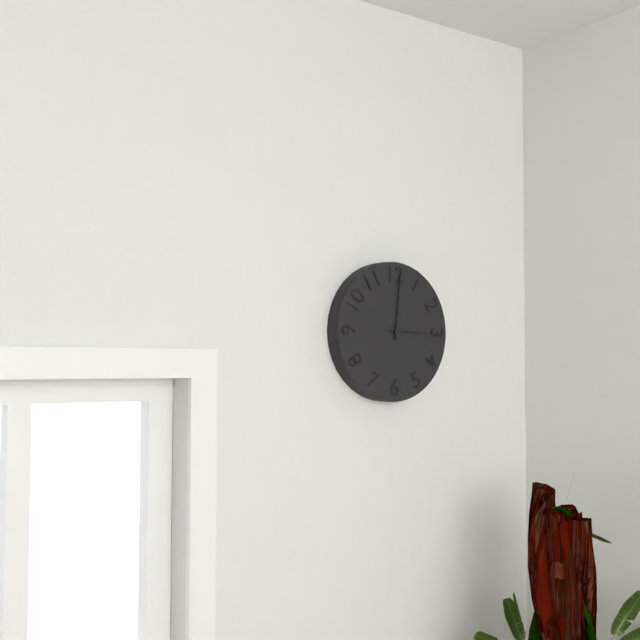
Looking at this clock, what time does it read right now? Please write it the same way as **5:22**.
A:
**3:01**
